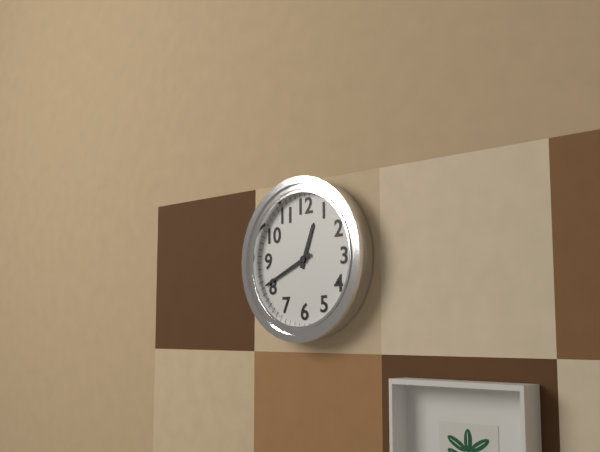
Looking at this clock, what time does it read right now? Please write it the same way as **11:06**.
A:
**12:41**
